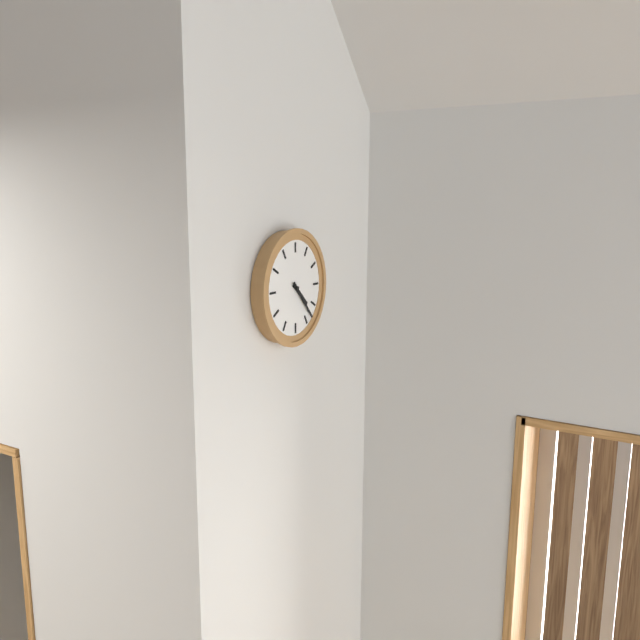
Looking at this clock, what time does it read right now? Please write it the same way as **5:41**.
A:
**4:23**
